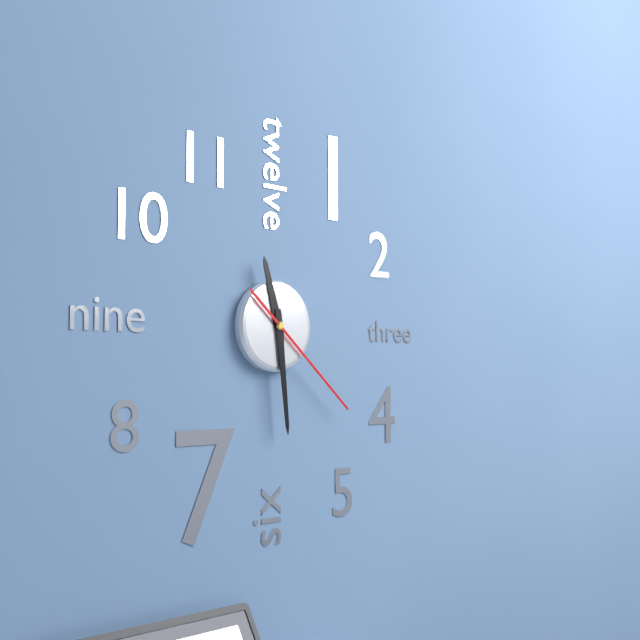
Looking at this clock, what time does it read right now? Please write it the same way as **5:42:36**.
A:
**11:29:22**
